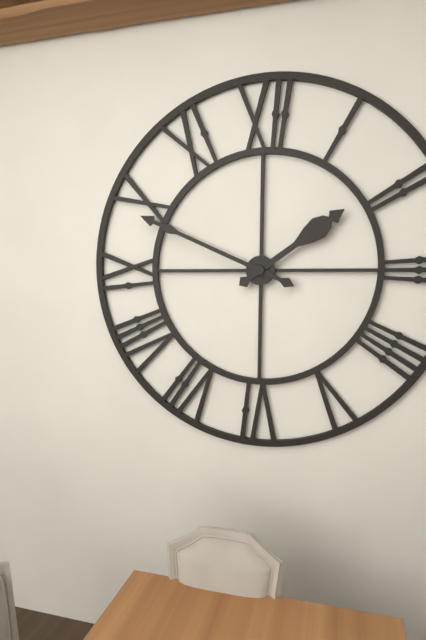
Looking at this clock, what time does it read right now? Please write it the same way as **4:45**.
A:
**1:49**
